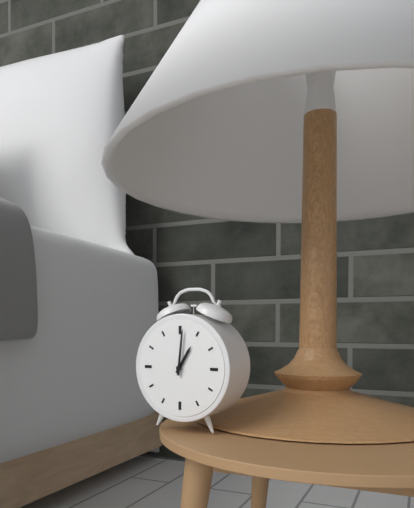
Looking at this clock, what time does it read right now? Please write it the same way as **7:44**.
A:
**1:01**
